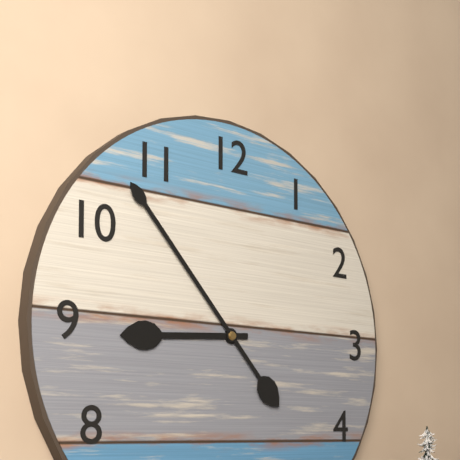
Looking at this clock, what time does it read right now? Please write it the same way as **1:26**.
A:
**8:53**
